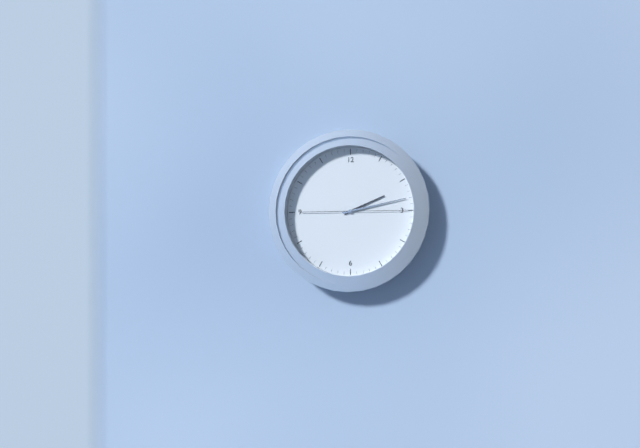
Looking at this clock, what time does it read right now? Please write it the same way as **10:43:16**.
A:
**2:13:15**
